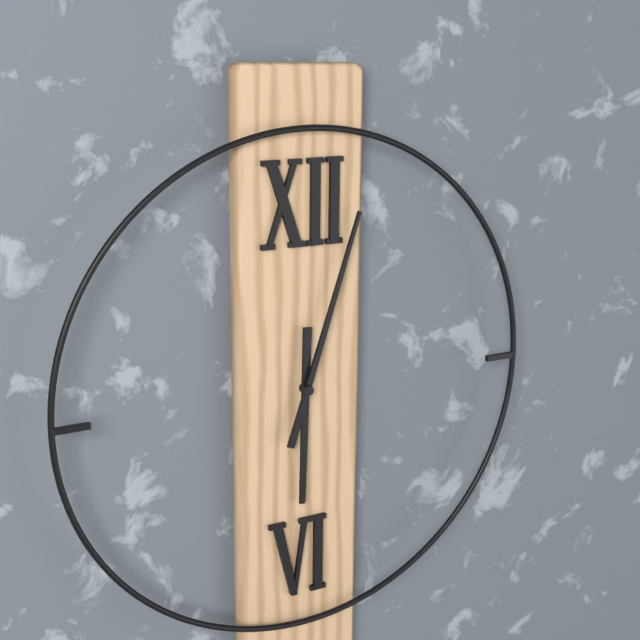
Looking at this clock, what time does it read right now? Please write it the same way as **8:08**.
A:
**6:03**
